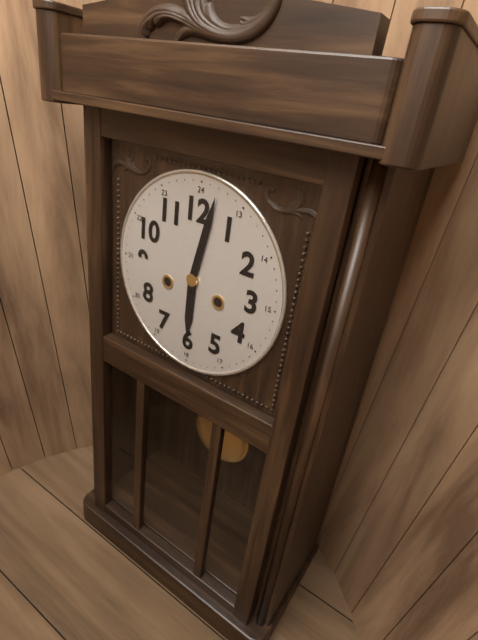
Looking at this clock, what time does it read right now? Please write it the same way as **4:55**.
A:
**6:02**
